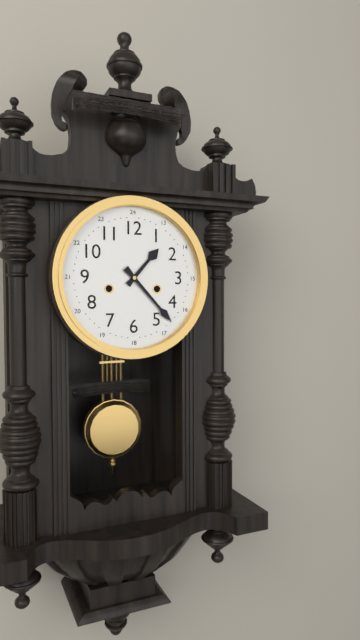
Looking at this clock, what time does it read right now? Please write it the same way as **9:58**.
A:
**1:23**
